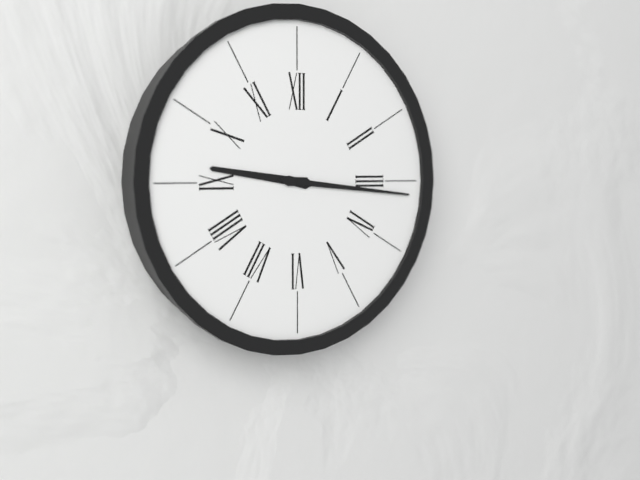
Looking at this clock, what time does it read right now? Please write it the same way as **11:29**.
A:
**9:16**
